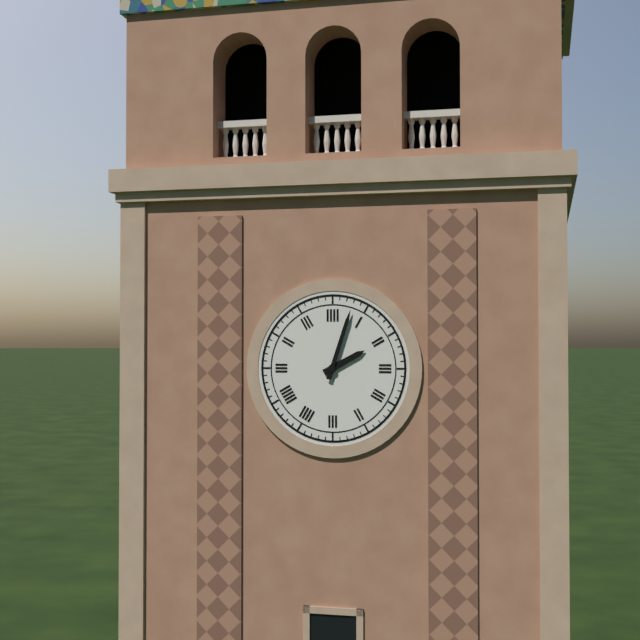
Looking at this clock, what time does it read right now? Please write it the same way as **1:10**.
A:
**2:03**
